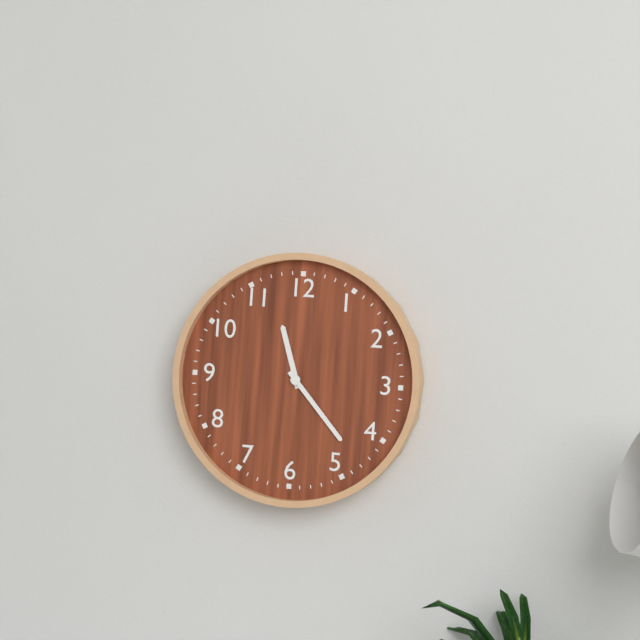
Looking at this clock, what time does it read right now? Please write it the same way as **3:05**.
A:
**11:23**
